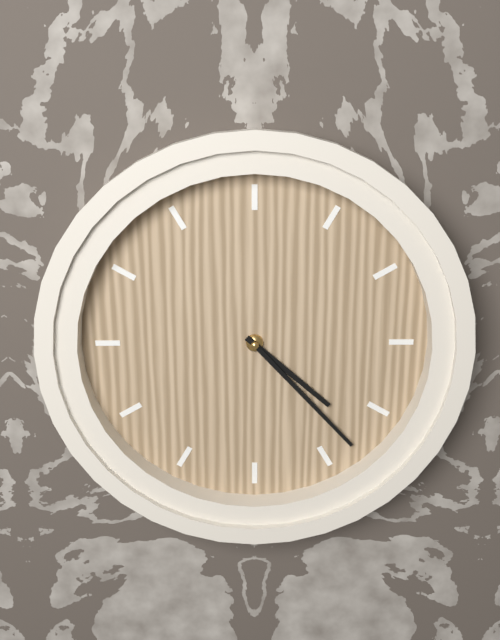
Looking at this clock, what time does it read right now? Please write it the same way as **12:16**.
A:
**4:23**
